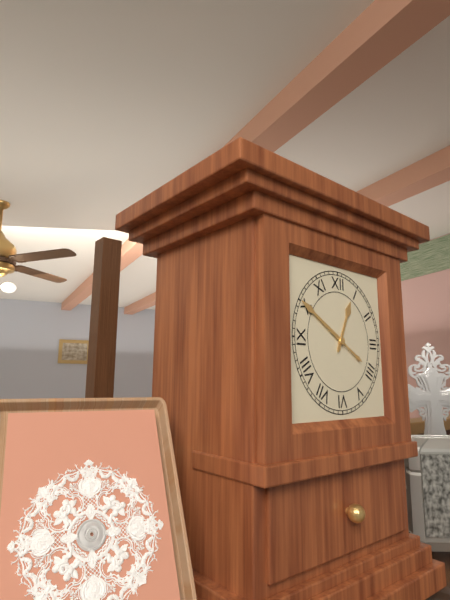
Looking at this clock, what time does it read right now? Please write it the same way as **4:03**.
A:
**12:50**
